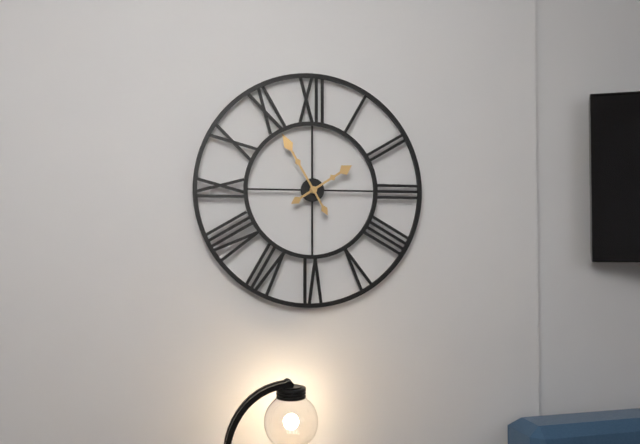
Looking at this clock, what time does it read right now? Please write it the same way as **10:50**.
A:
**1:55**
